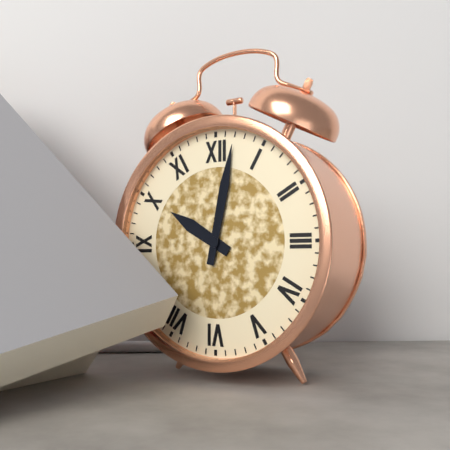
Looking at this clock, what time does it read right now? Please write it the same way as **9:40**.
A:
**10:02**
